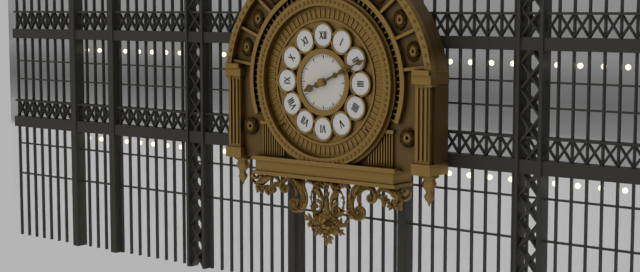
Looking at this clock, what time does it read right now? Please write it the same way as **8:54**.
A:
**2:11**
